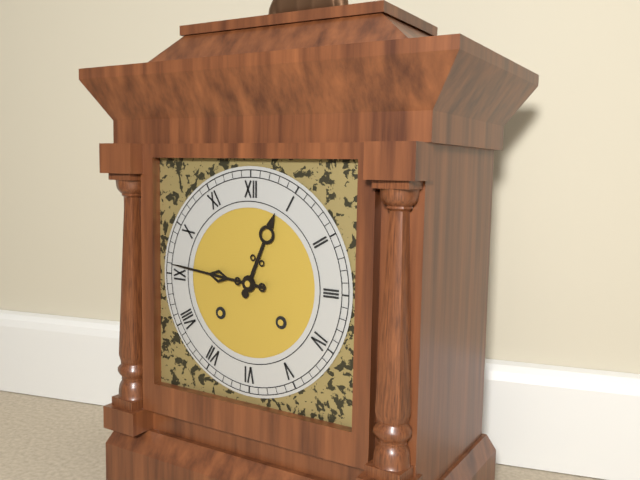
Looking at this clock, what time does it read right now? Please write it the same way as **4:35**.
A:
**12:46**
